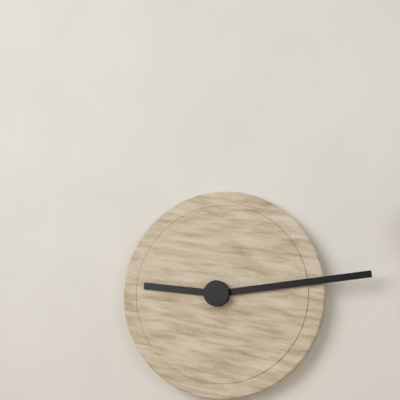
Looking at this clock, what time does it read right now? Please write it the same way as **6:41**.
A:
**9:14**
